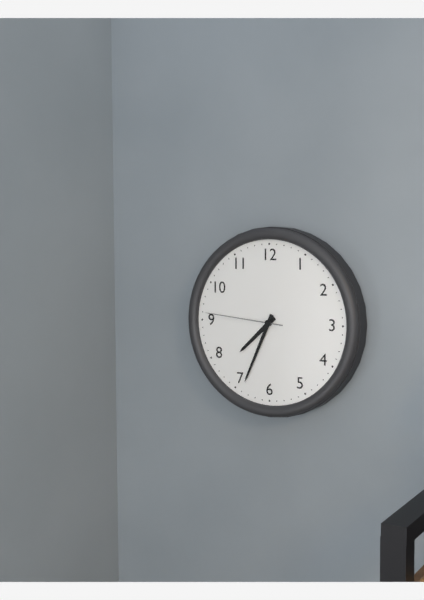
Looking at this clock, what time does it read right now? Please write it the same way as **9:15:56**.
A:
**7:34:46**
